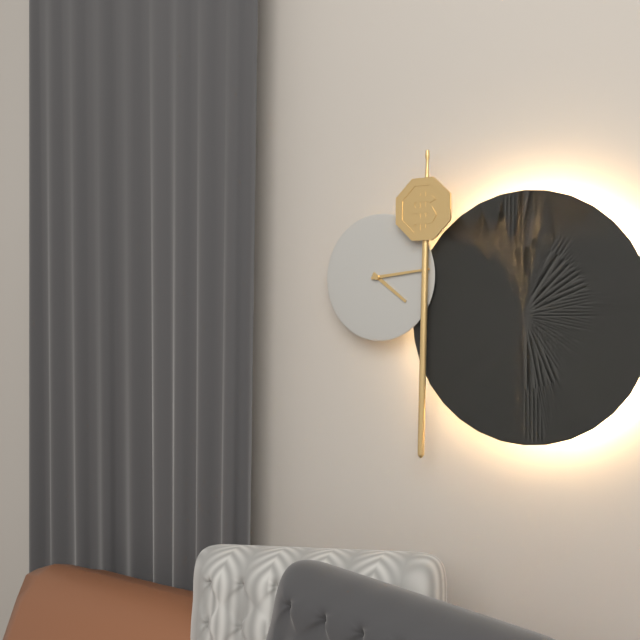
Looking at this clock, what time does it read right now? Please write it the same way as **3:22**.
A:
**4:14**
